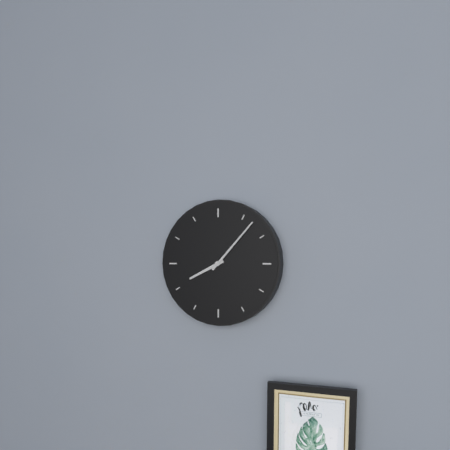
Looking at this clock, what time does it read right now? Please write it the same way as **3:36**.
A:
**8:07**
